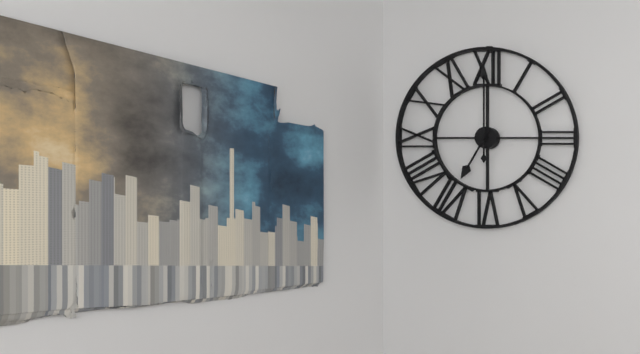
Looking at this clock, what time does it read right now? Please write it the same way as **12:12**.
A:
**7:00**
